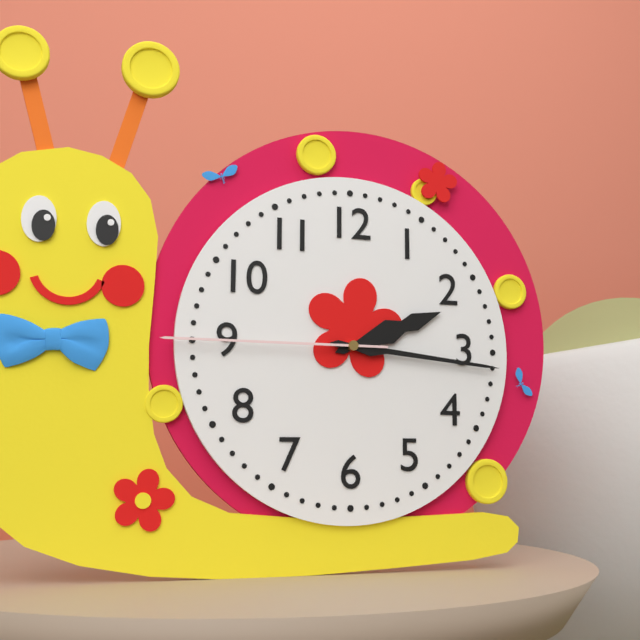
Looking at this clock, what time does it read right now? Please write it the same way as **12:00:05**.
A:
**2:16:45**
